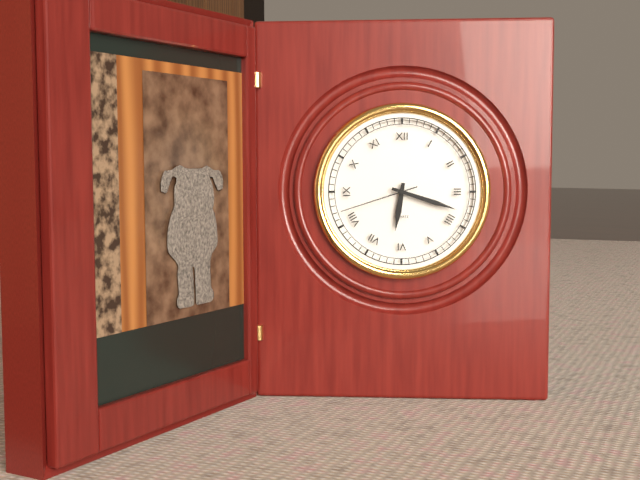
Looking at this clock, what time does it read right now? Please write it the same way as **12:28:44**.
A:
**6:18:42**
